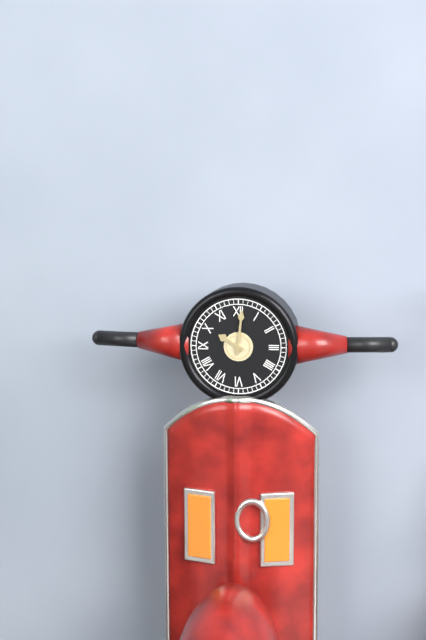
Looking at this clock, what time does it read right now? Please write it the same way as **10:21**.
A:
**10:01**
